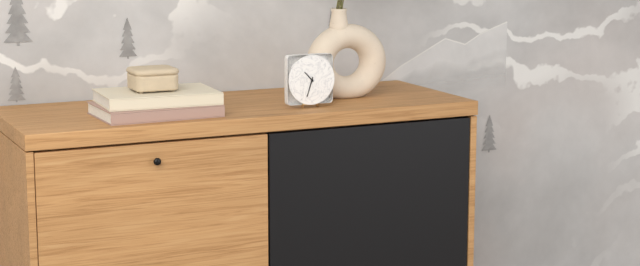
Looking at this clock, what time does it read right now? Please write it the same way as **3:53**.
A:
**10:33**
